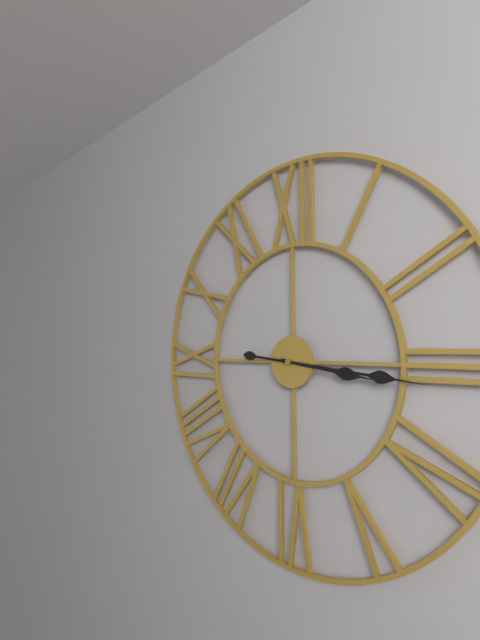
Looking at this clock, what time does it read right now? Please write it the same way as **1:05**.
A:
**3:16**
